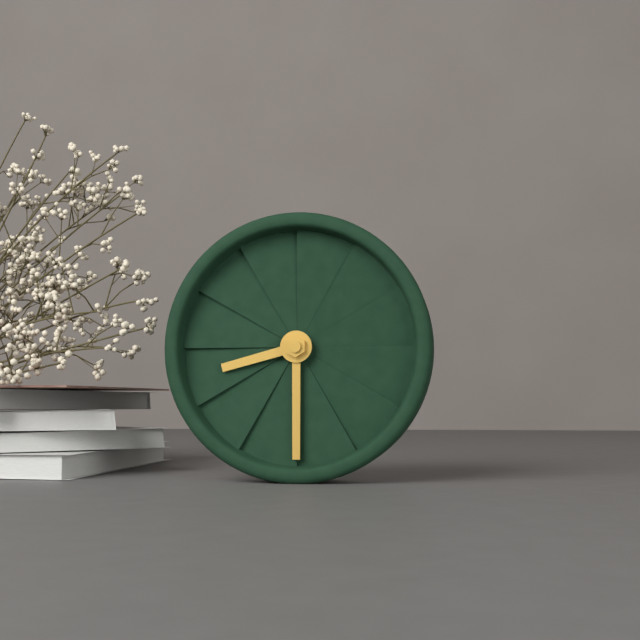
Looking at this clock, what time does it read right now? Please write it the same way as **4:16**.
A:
**8:30**
